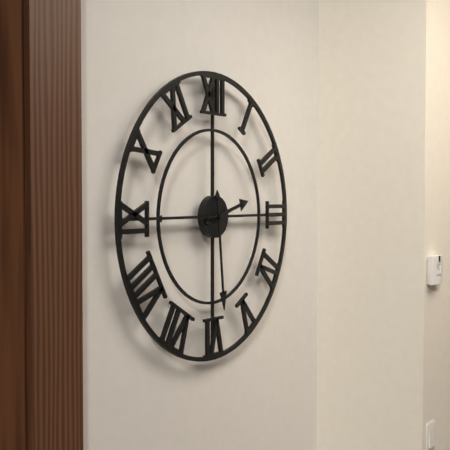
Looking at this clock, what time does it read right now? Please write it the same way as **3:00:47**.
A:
**2:29:45**
